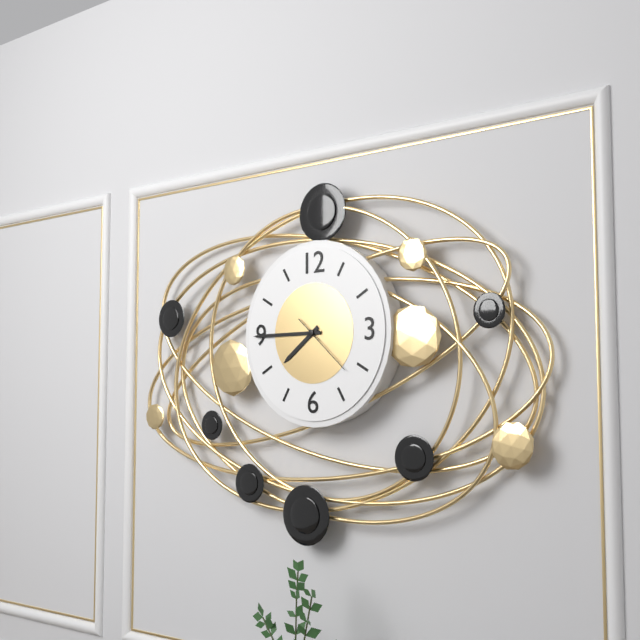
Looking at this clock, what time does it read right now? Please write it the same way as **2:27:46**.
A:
**7:45:22**
